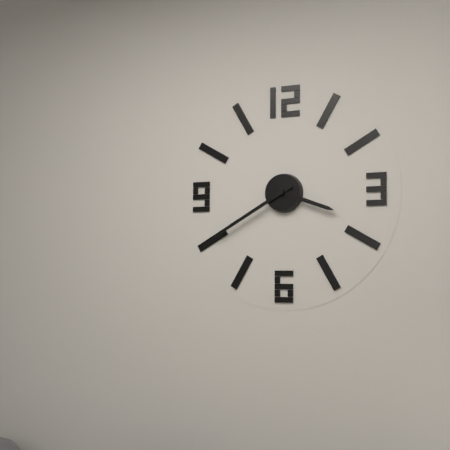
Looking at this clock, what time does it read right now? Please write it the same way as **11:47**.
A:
**3:40**
